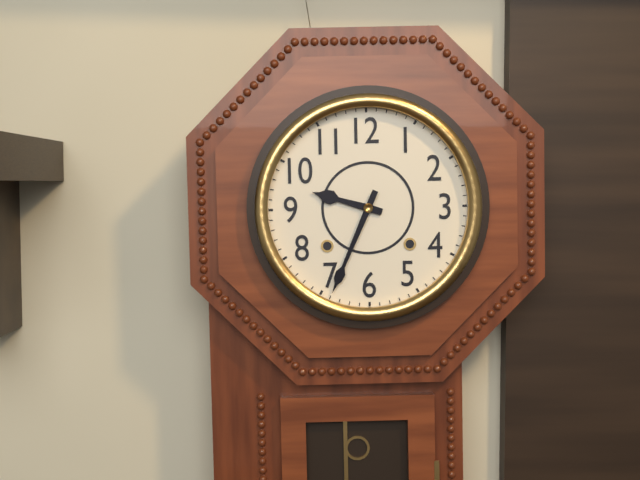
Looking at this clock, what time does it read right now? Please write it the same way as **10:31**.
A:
**9:34**
